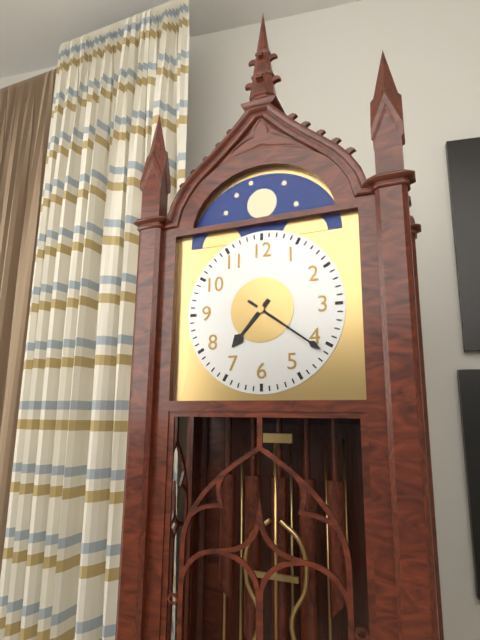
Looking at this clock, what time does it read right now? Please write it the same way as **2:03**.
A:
**7:21**
